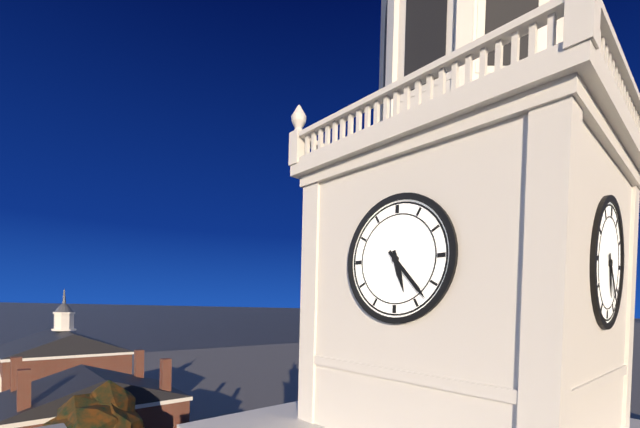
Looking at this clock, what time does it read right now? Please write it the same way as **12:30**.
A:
**5:23**
